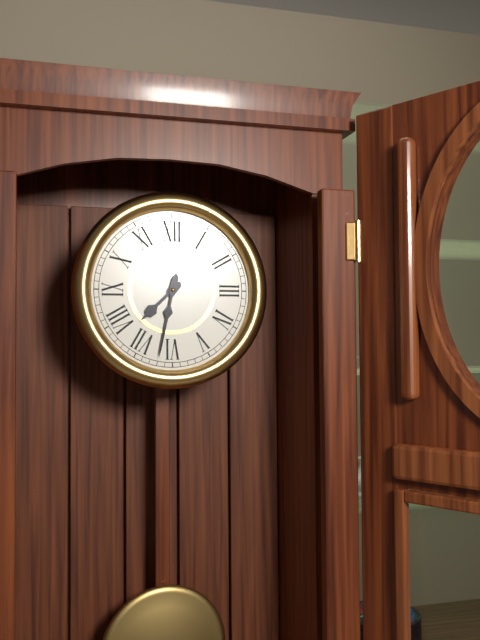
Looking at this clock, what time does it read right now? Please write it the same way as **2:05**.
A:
**7:32**
